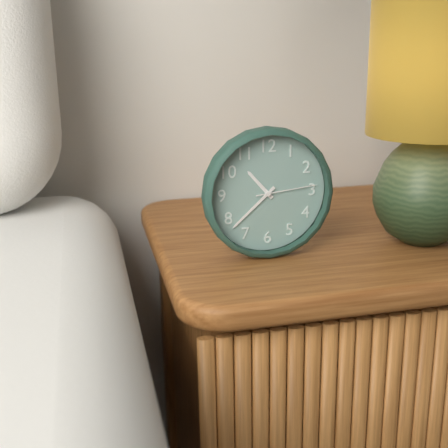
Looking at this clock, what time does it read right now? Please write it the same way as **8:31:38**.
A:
**10:38:14**
